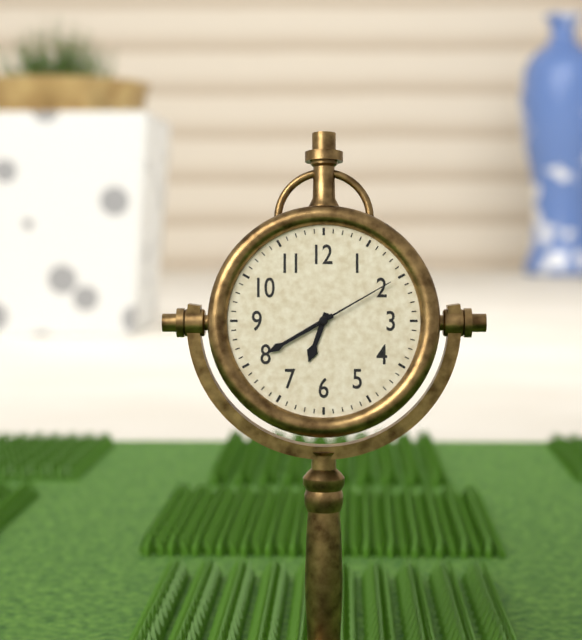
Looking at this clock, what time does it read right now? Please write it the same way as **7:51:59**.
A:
**6:40:10**
